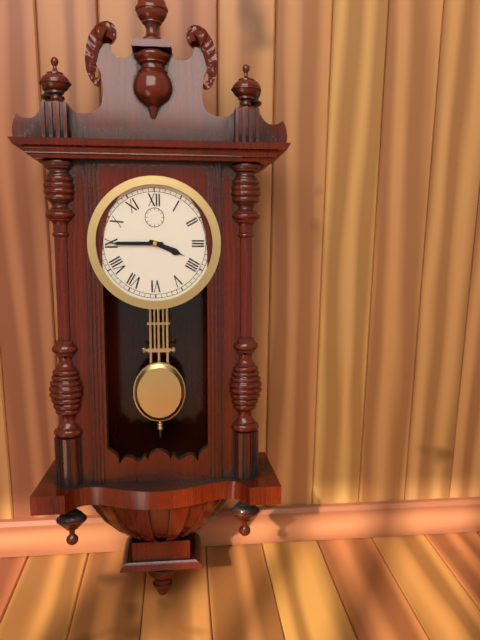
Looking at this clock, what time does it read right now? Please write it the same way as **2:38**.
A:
**3:45**
